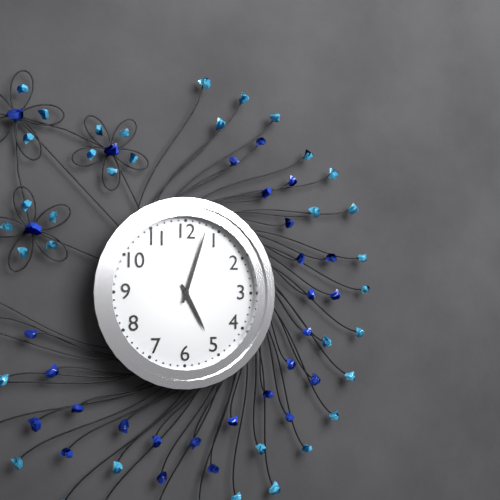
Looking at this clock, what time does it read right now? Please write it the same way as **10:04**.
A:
**5:03**
